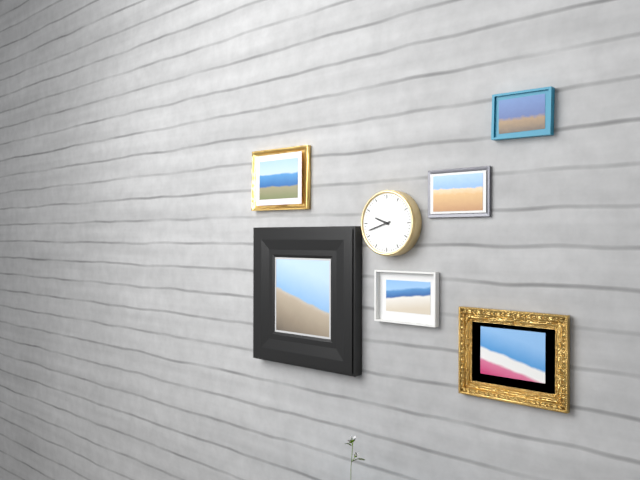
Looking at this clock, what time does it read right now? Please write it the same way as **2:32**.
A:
**9:42**
